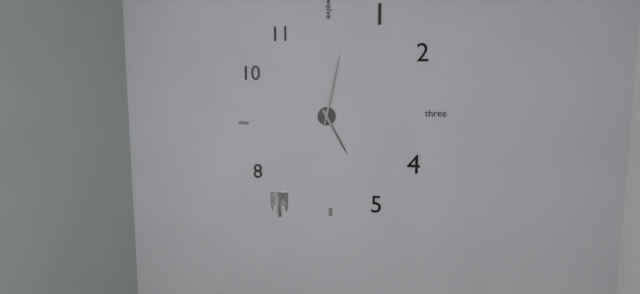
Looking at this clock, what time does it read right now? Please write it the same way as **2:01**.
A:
**5:02**
